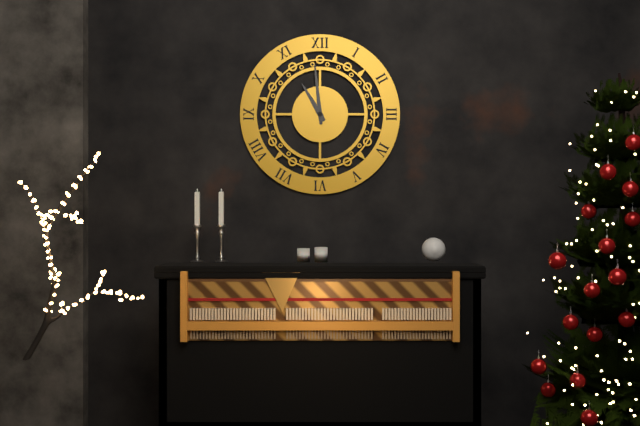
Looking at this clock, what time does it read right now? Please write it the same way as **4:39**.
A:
**10:59**
